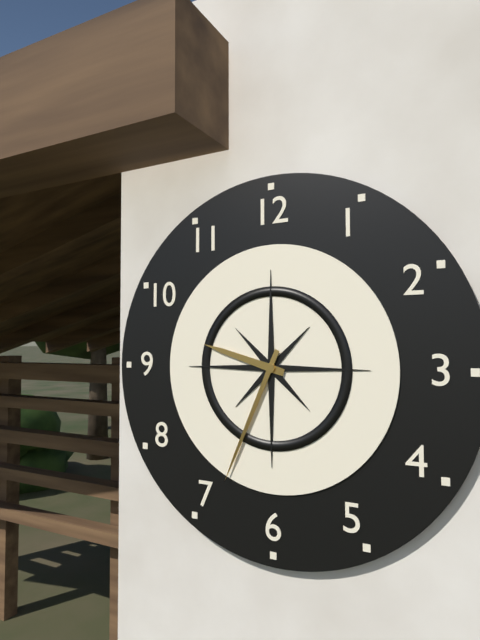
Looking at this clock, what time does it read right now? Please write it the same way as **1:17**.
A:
**9:34**
